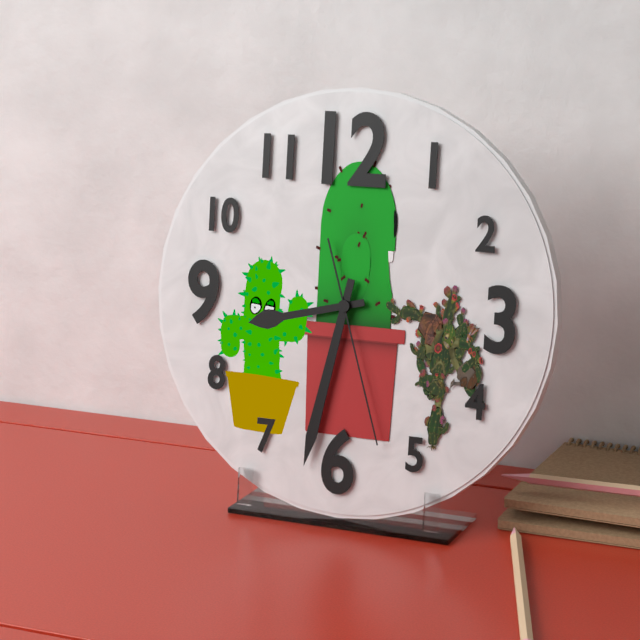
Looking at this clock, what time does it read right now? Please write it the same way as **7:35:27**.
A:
**8:32:27**
